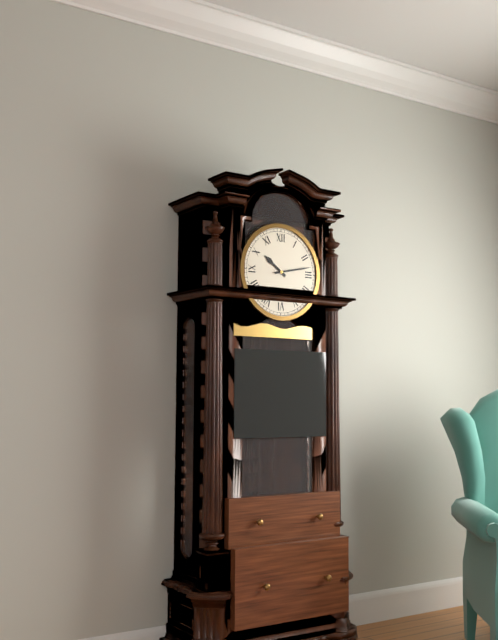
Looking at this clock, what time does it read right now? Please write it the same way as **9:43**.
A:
**10:13**
